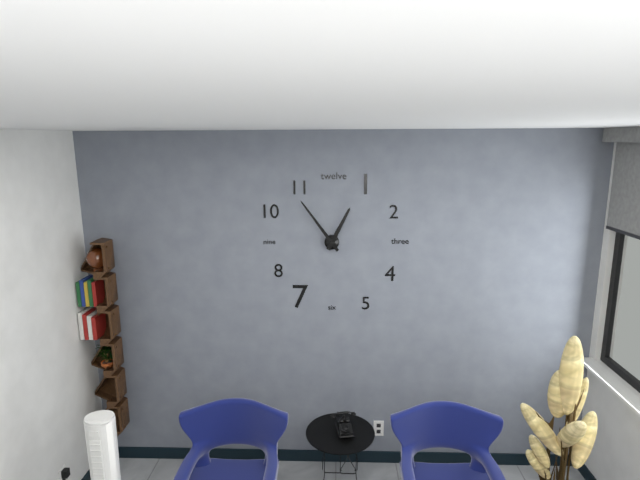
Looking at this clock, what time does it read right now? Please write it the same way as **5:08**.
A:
**12:54**
